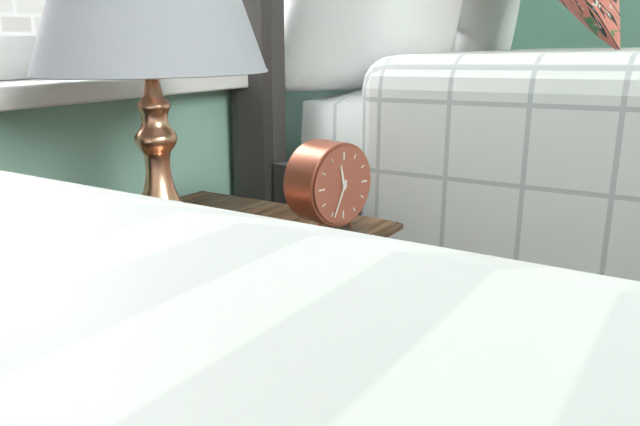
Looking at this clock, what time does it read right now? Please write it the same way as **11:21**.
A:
**11:34**
